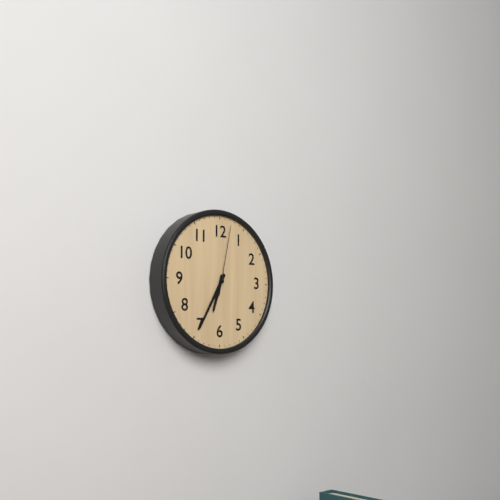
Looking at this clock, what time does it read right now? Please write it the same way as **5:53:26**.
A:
**6:35:02**
